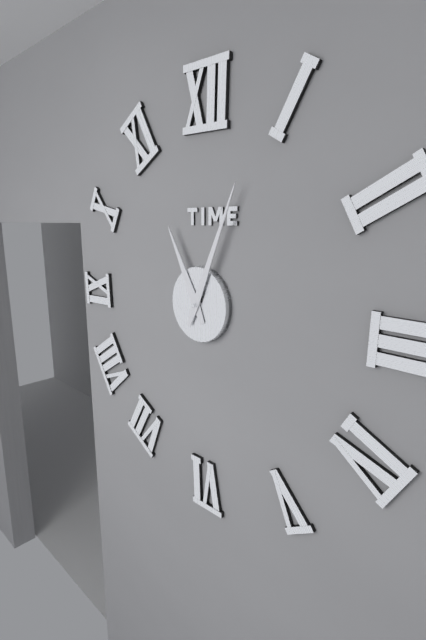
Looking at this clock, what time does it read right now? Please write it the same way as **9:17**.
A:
**11:04**
